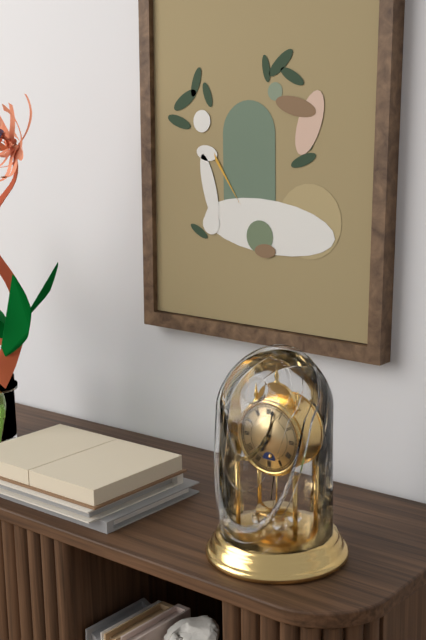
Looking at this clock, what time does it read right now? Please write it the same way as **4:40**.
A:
**7:02**
